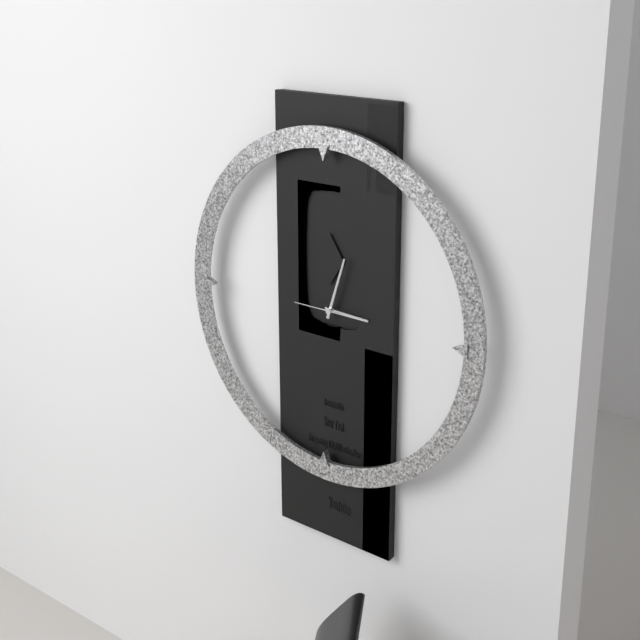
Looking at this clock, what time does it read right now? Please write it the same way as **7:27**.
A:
**3:03**
